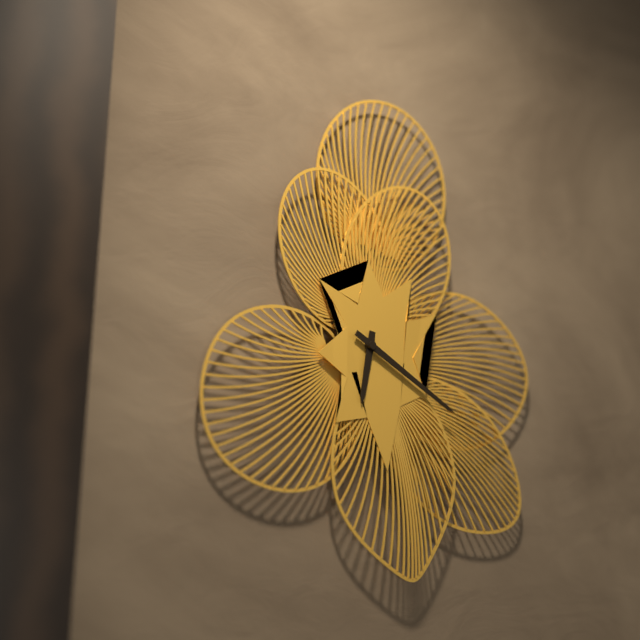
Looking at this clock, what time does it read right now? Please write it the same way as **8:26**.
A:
**6:20**
